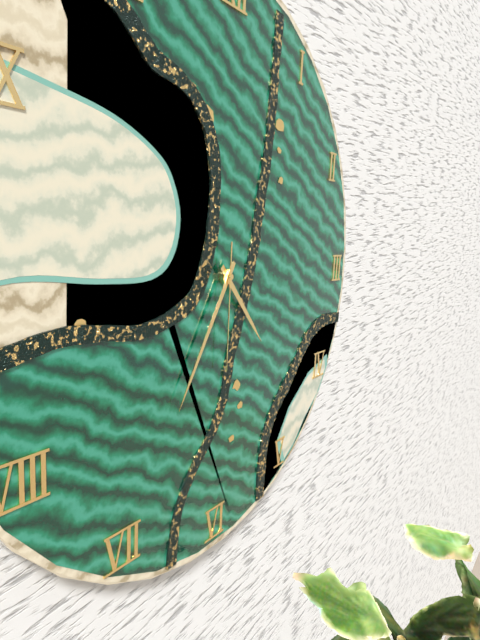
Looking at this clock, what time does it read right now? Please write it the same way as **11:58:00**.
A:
**4:35:30**
